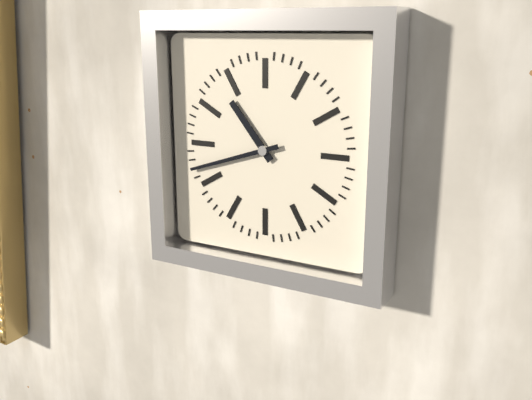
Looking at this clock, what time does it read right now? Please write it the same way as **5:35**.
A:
**10:42**
